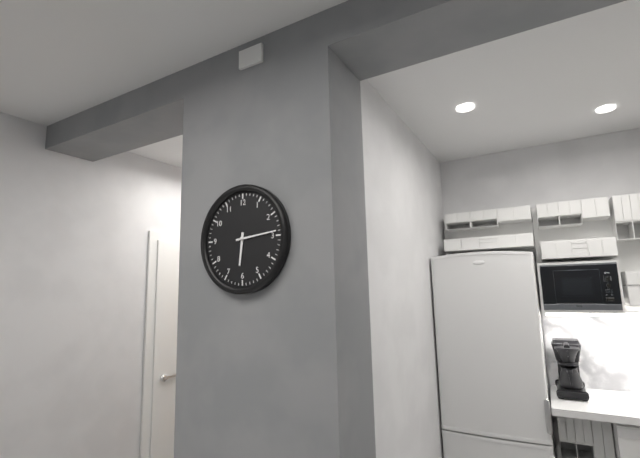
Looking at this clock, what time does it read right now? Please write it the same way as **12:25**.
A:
**6:14**
